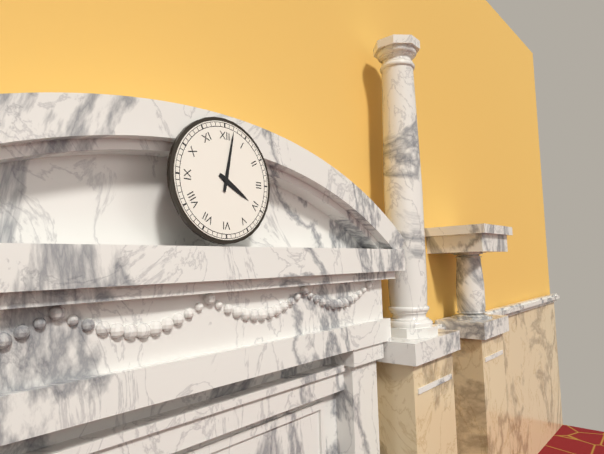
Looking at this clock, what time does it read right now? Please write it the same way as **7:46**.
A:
**4:02**
